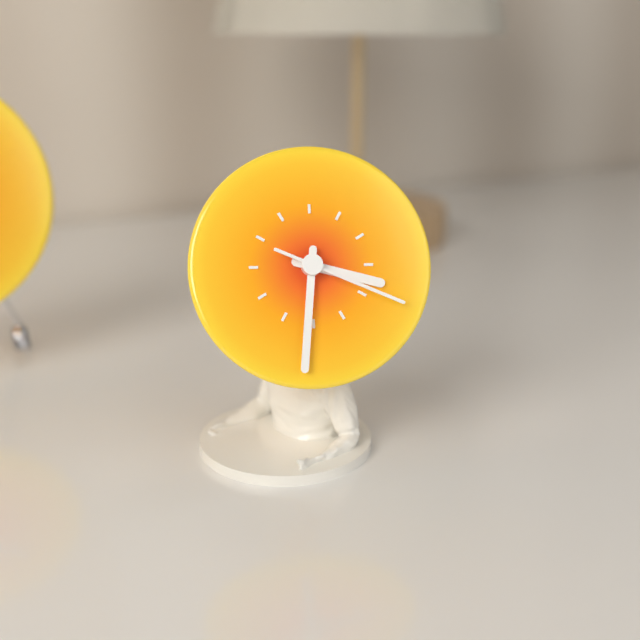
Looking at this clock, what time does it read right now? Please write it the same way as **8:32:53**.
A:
**3:31:19**
